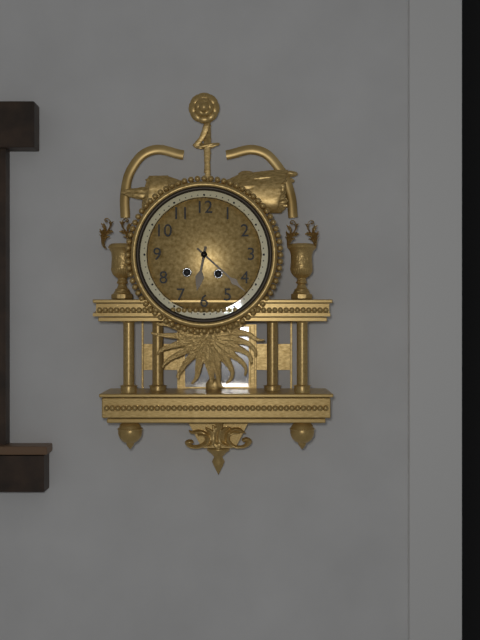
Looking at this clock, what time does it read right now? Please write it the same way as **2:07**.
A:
**6:22**
